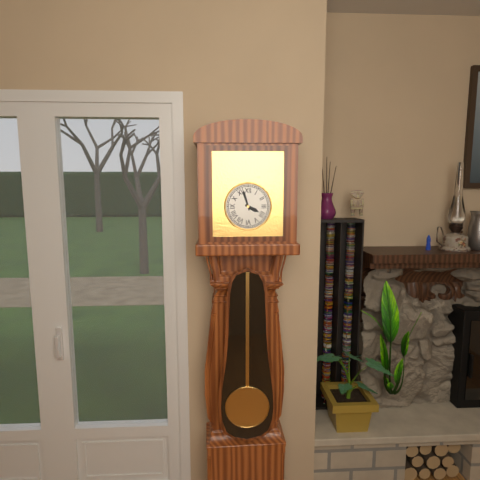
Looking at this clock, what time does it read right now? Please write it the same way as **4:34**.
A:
**3:57**
